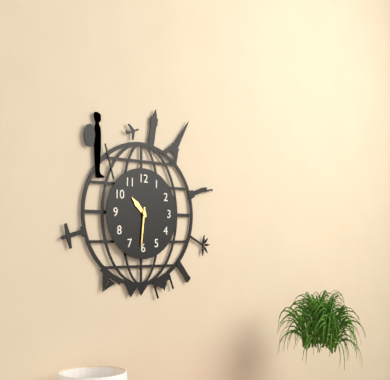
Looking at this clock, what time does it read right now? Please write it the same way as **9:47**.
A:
**10:31**
